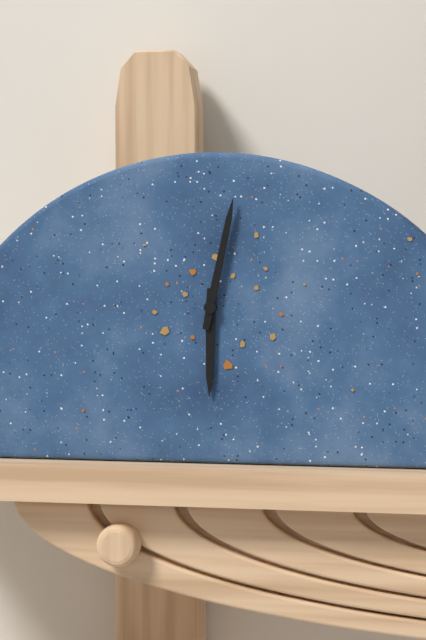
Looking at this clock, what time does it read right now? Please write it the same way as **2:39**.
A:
**6:02**
